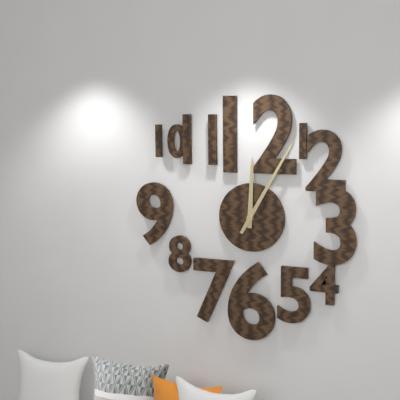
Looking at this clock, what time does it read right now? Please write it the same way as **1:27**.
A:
**12:05**
